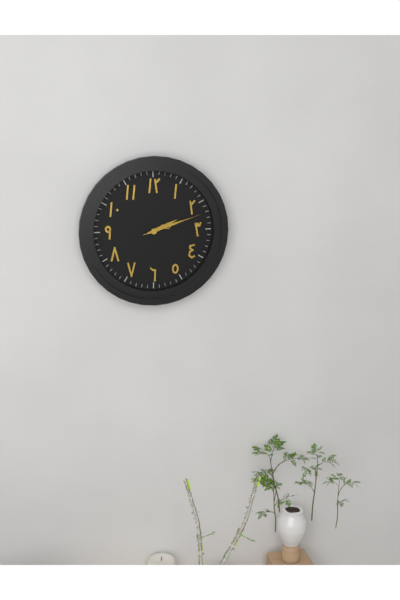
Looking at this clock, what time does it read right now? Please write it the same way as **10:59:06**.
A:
**2:12:12**
